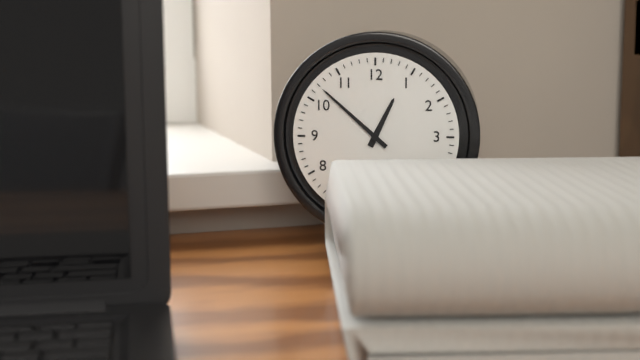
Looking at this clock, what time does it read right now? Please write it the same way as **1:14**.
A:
**12:52**
